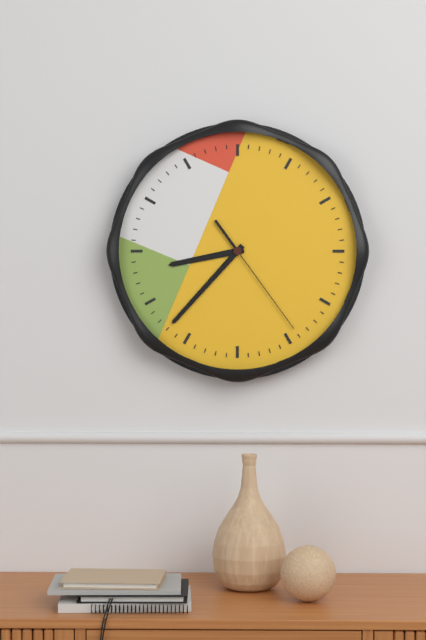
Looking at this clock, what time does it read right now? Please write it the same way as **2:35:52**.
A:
**8:37:24**
